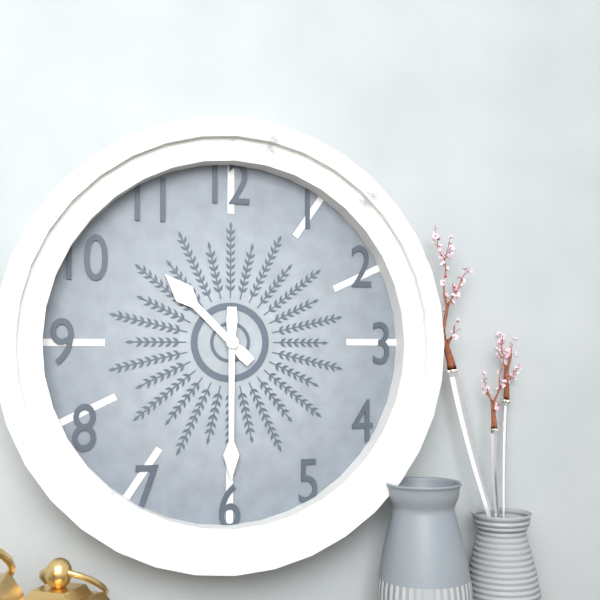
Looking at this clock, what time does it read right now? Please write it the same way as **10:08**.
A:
**10:30**
